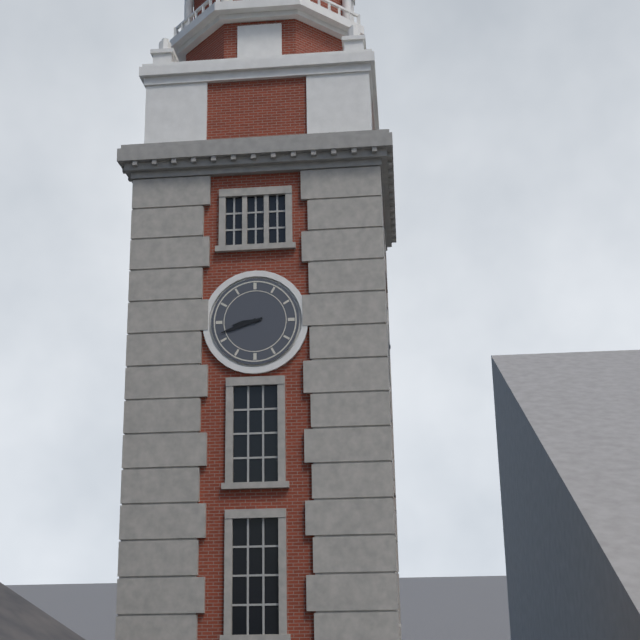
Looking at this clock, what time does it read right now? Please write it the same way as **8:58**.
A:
**8:42**
